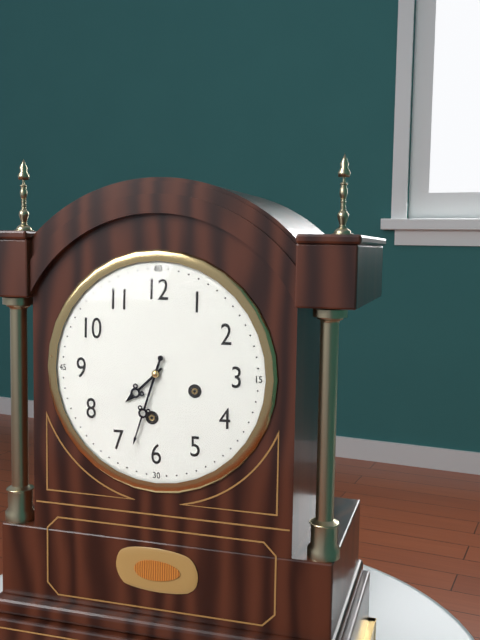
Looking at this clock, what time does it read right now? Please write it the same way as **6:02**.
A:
**7:33**
